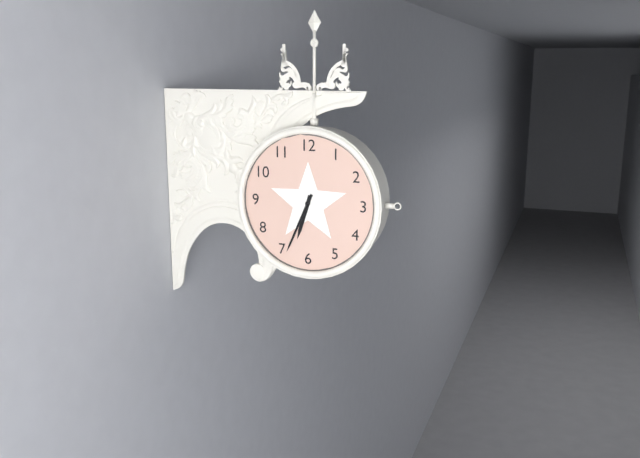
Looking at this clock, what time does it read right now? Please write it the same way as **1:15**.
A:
**6:34**
